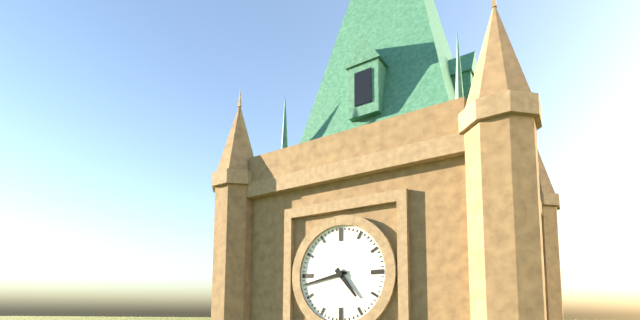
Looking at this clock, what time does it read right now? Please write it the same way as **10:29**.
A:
**4:43**
